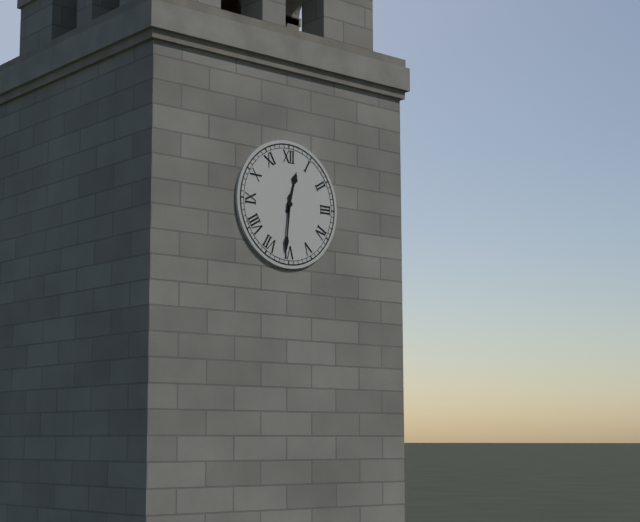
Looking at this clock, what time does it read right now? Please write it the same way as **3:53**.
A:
**12:31**
